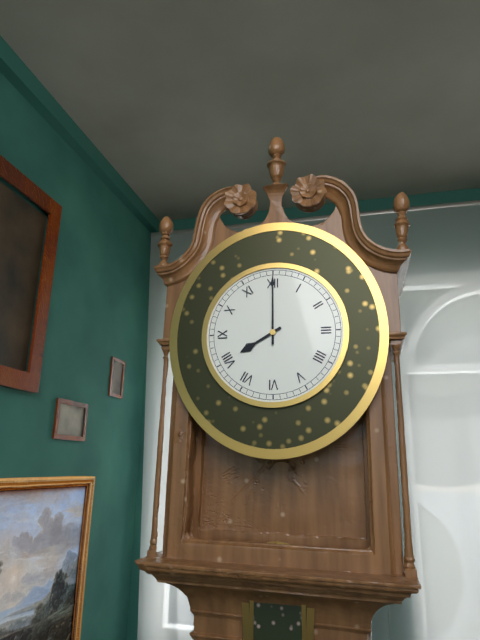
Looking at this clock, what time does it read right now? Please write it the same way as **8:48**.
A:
**8:00**
